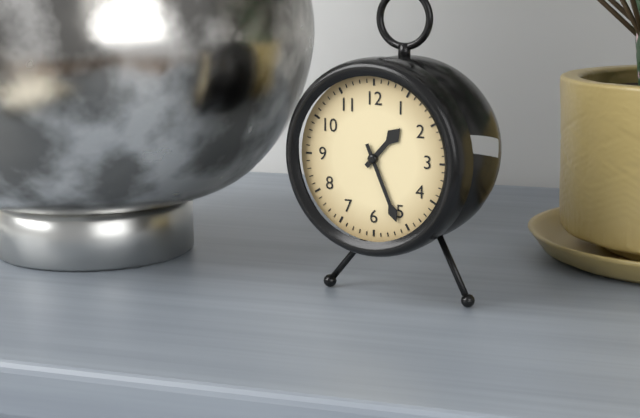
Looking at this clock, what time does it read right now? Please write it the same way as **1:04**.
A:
**1:26**
